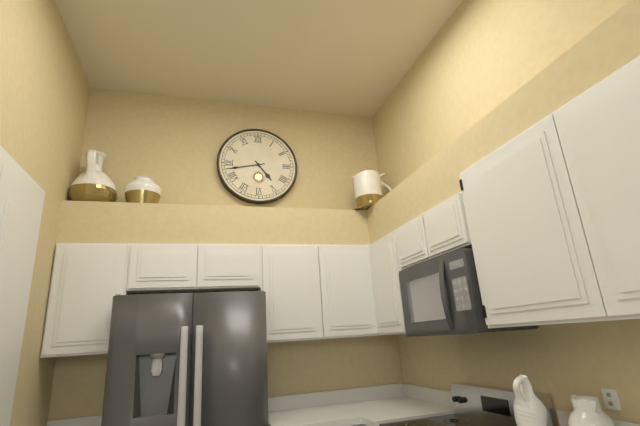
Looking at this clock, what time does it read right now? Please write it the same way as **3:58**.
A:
**4:43**
